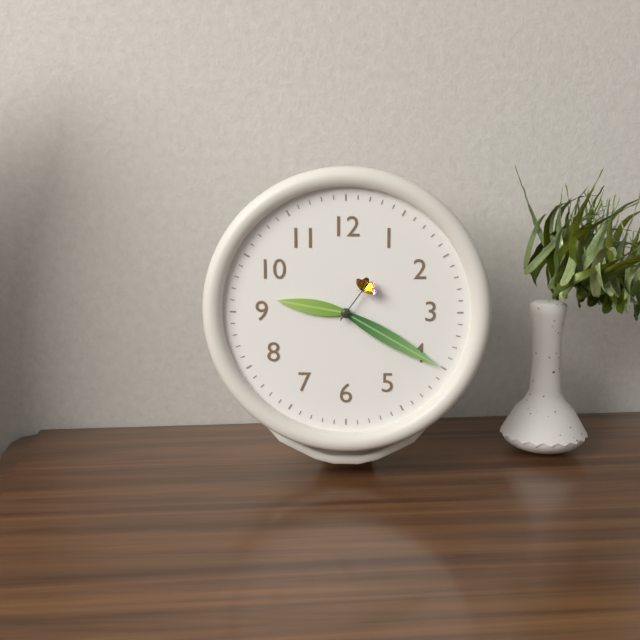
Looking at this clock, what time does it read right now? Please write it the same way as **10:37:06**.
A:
**9:20:06**
